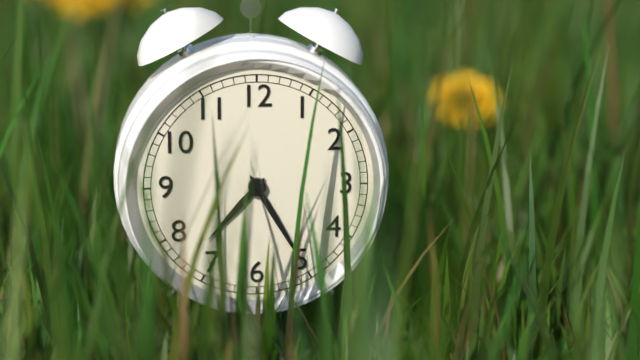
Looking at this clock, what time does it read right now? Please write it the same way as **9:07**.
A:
**7:25**
